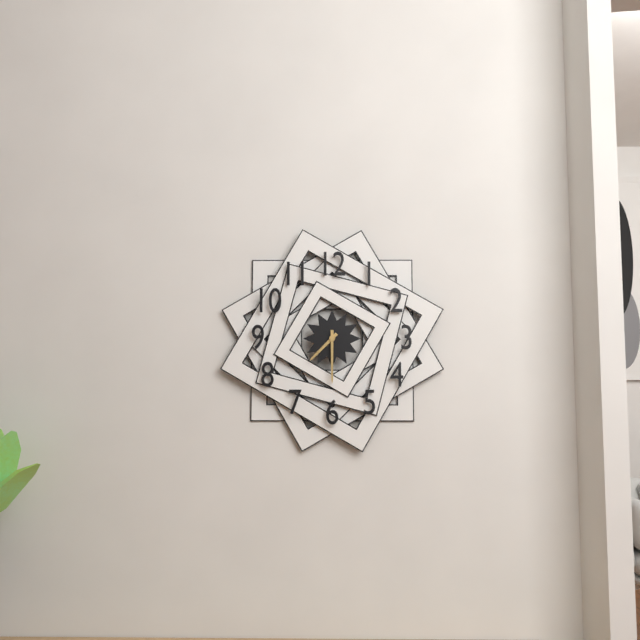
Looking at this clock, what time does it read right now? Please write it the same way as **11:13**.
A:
**7:30**
